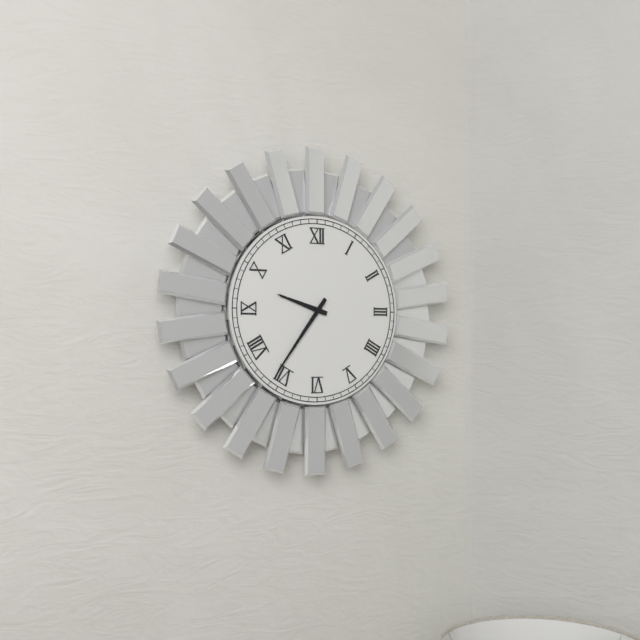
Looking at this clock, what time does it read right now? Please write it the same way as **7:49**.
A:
**9:36**
